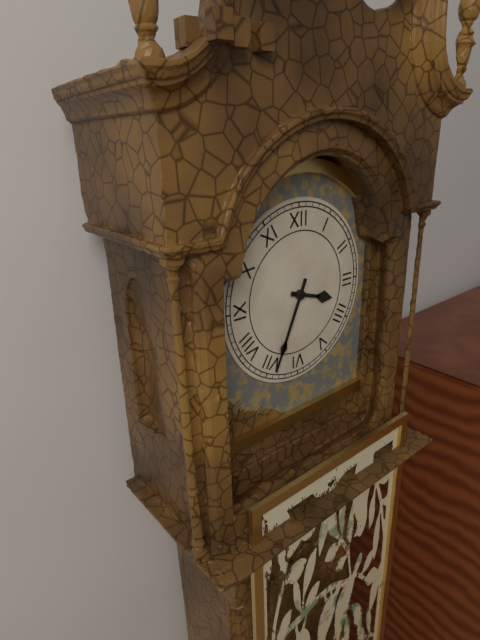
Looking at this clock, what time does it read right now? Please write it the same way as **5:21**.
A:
**3:34**
